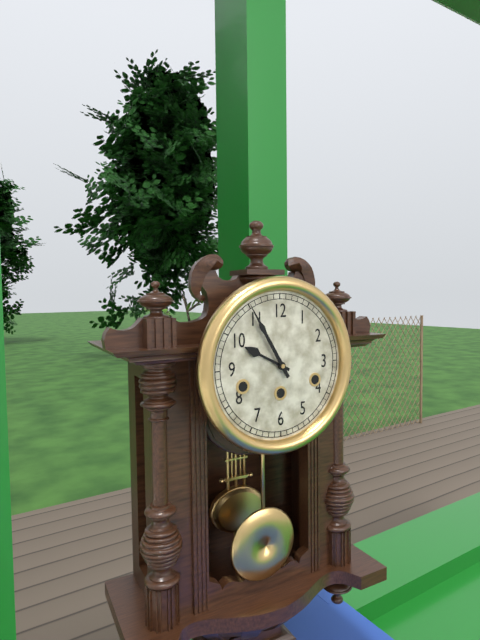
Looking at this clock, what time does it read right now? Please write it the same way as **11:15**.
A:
**9:55**
